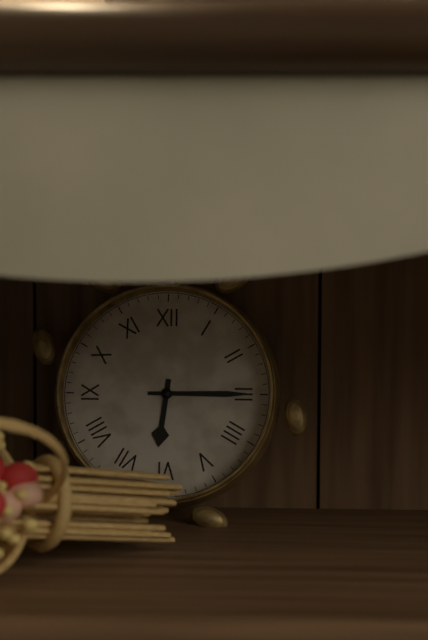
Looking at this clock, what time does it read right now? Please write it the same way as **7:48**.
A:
**6:15**
